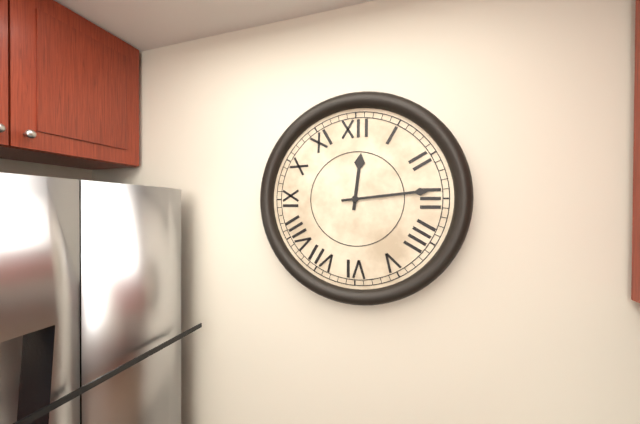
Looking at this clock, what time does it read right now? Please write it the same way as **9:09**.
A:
**12:14**
